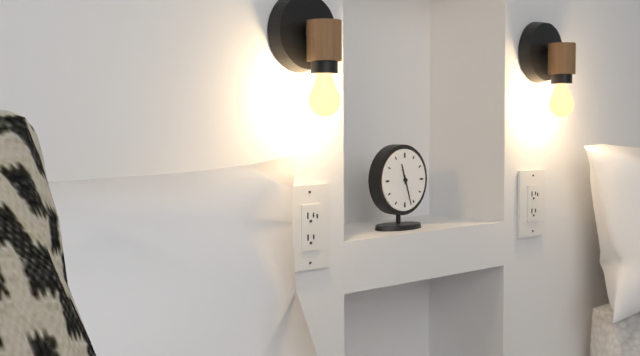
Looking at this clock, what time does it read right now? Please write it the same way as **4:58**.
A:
**11:27**
